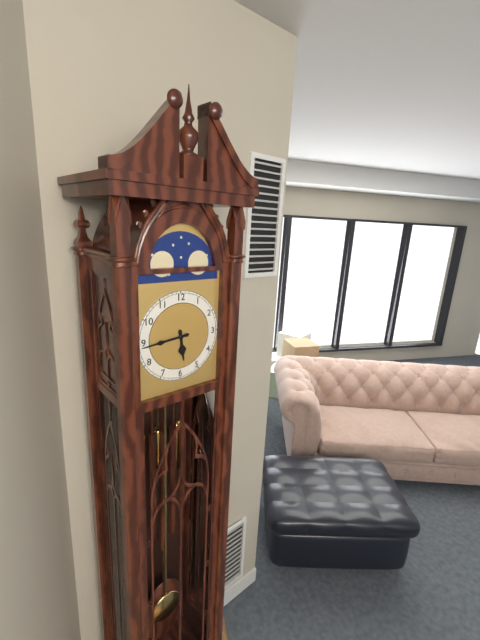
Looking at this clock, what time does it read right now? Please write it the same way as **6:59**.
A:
**5:44**
